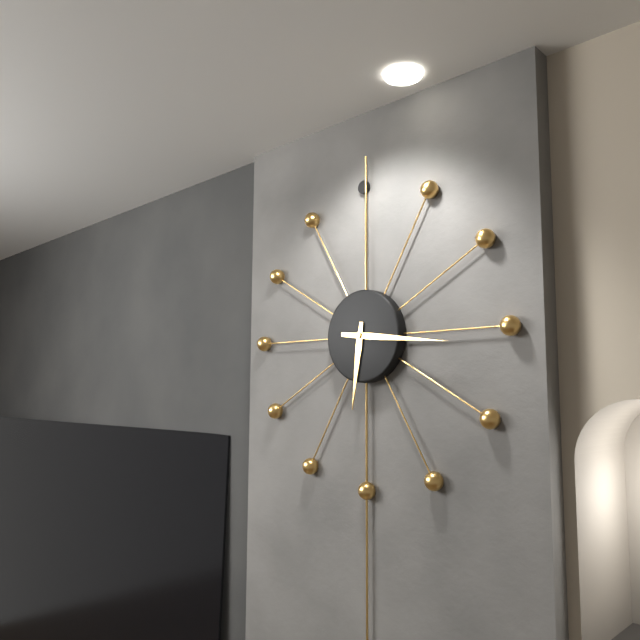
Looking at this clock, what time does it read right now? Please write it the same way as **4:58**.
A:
**6:16**
